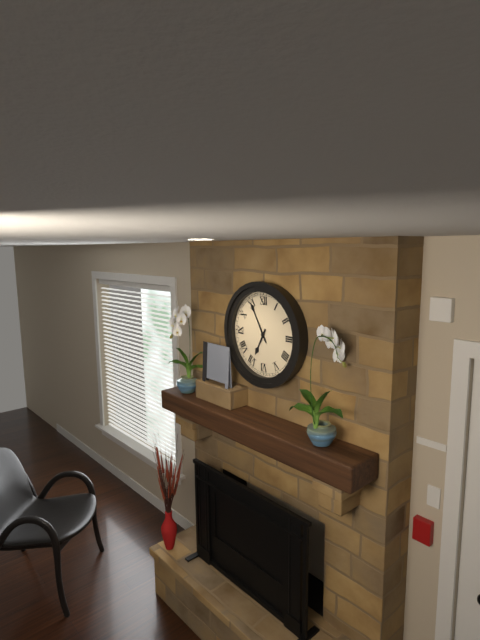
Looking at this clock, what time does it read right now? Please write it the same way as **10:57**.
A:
**6:55**
